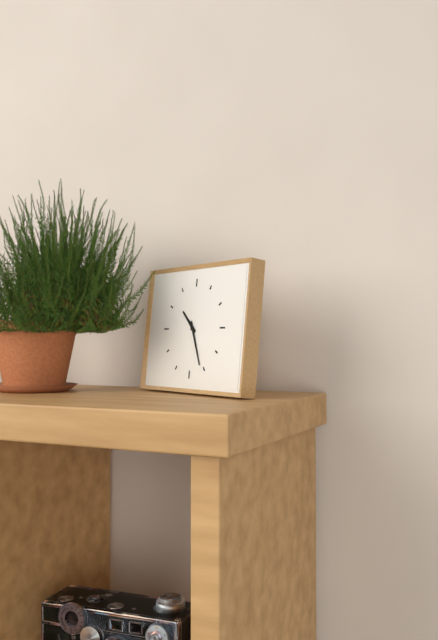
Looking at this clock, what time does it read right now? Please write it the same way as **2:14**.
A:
**10:26**
